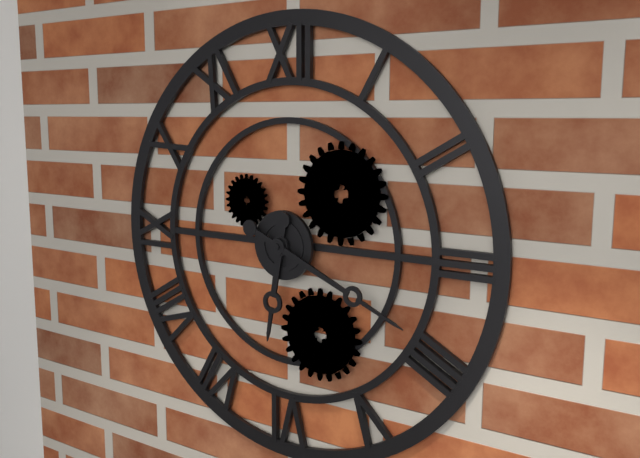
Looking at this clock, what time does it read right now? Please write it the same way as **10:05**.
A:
**6:19**
